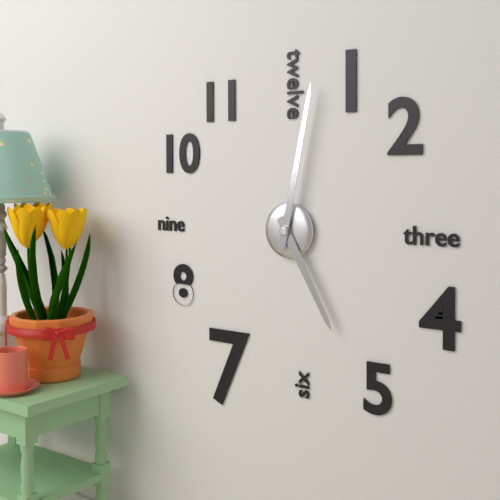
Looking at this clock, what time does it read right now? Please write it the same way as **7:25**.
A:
**5:02**
